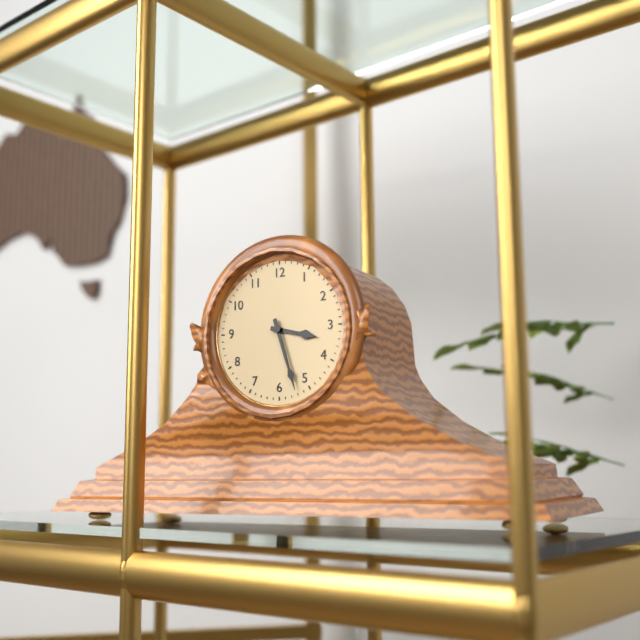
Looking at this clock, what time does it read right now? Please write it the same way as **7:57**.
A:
**3:27**
